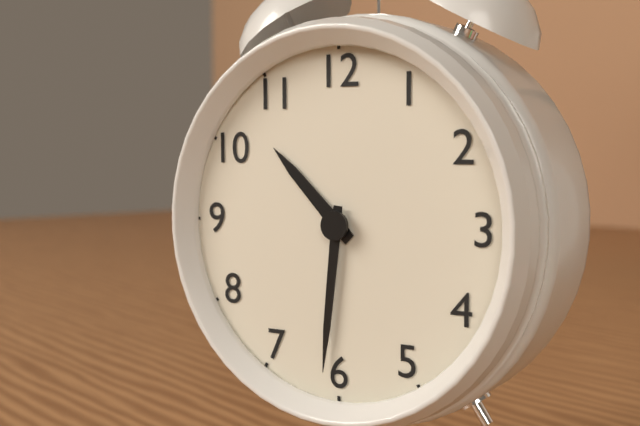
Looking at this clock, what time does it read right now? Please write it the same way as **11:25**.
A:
**10:31**
